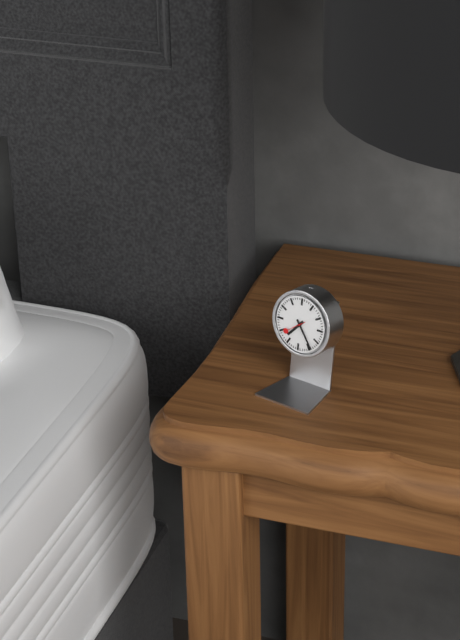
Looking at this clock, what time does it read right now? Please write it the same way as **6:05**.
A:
**7:24**
